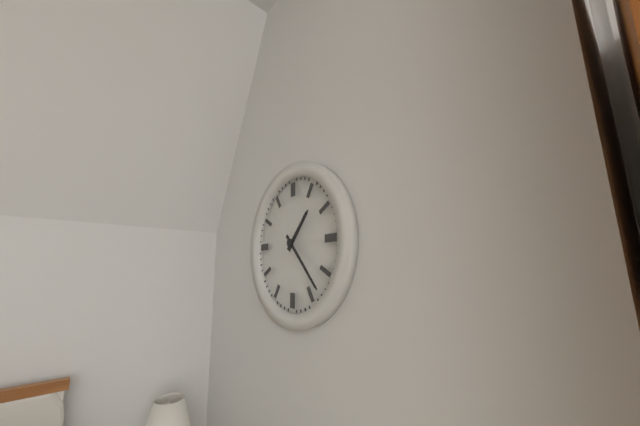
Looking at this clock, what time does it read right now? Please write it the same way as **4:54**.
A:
**1:23**
